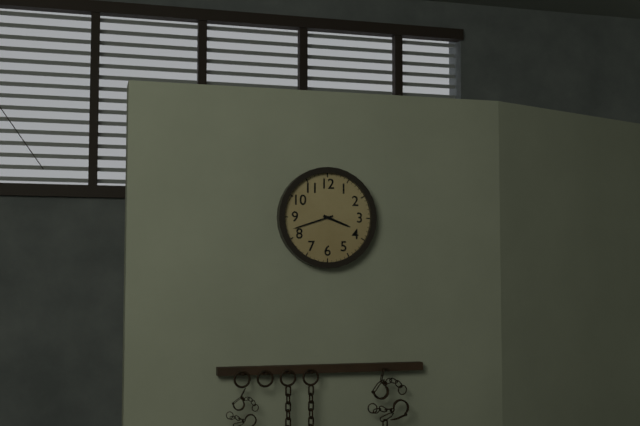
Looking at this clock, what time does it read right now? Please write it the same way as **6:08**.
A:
**3:42**
